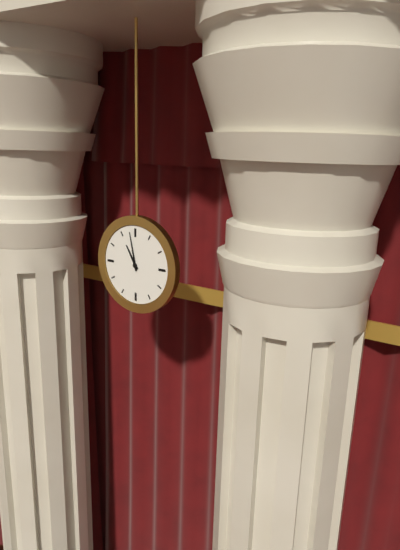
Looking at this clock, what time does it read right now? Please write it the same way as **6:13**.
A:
**10:58**
